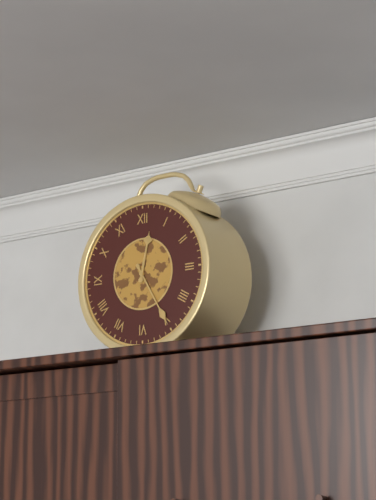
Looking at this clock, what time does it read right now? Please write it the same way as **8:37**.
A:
**12:25**
